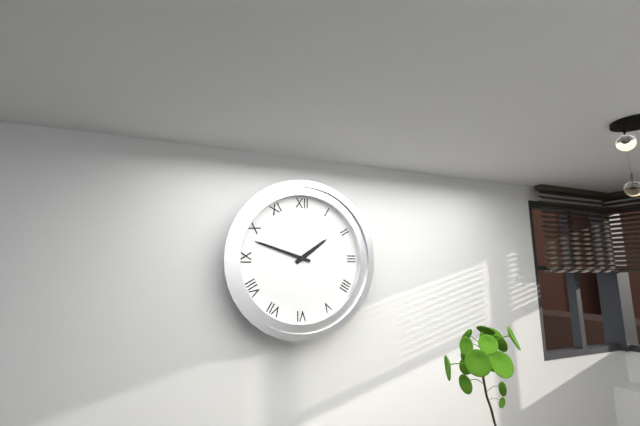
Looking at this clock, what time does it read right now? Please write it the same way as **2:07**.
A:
**1:48**
